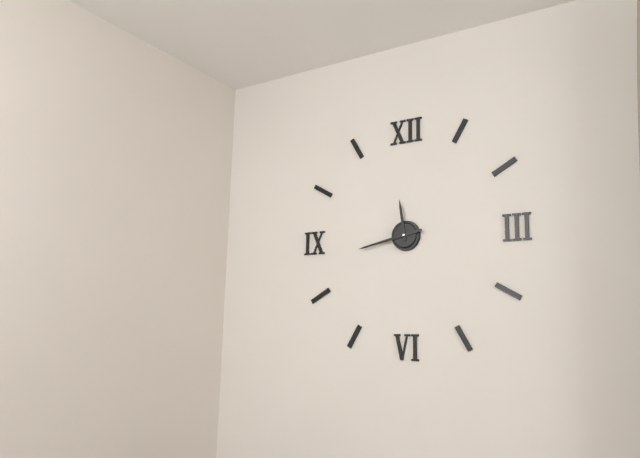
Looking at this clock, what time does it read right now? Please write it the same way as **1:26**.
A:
**11:43**
